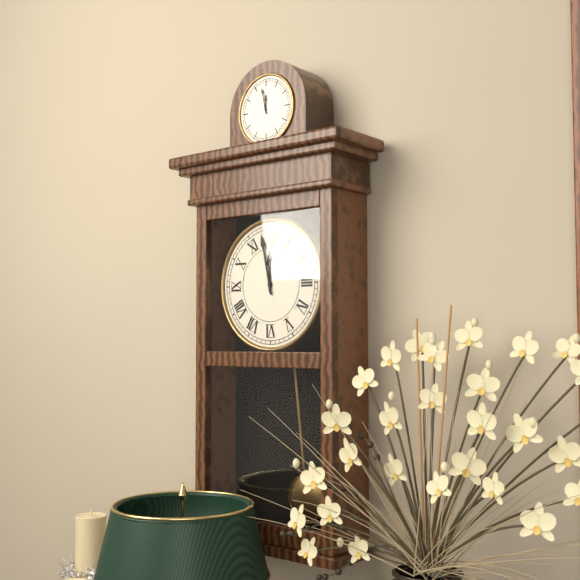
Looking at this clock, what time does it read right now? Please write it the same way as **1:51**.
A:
**11:58**
